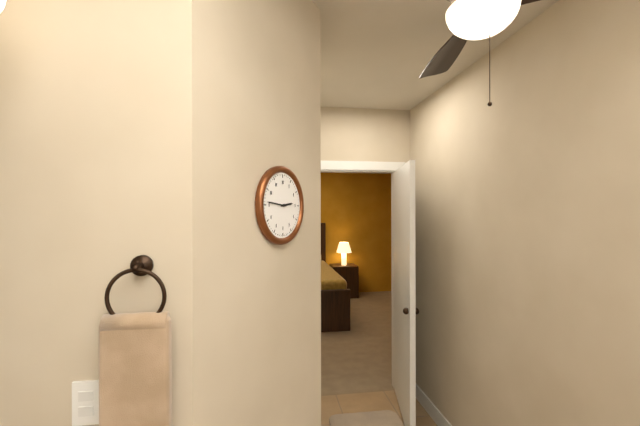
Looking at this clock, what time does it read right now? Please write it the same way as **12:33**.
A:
**2:46**
